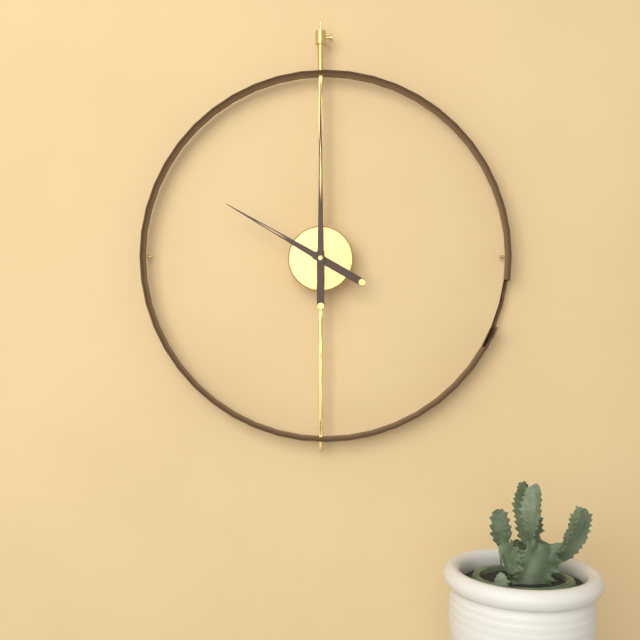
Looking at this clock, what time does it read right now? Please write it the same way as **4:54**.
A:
**10:00**
